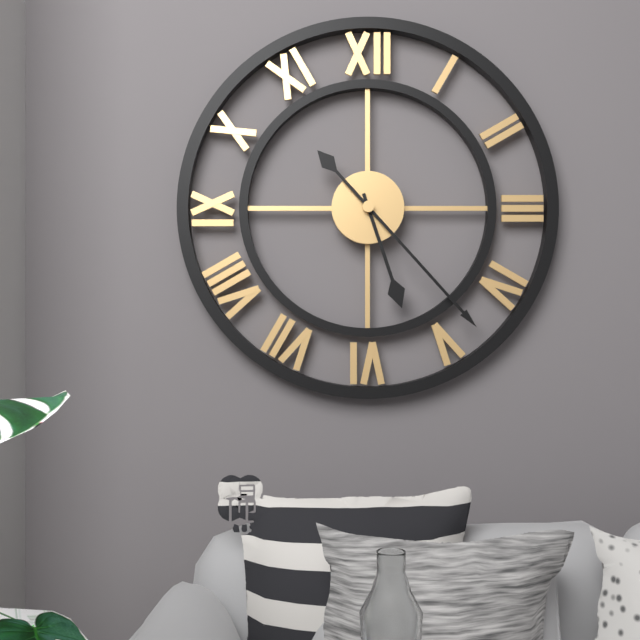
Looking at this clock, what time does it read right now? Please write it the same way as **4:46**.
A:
**5:23**
